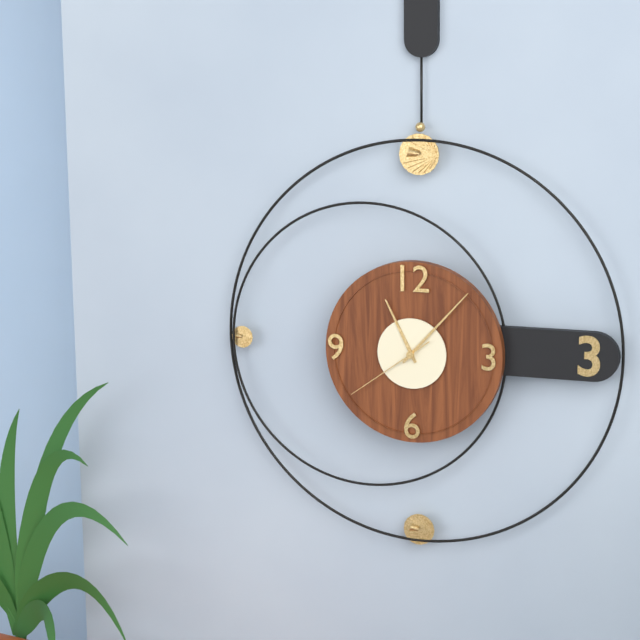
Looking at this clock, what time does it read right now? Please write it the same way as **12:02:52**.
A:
**11:07:39**
